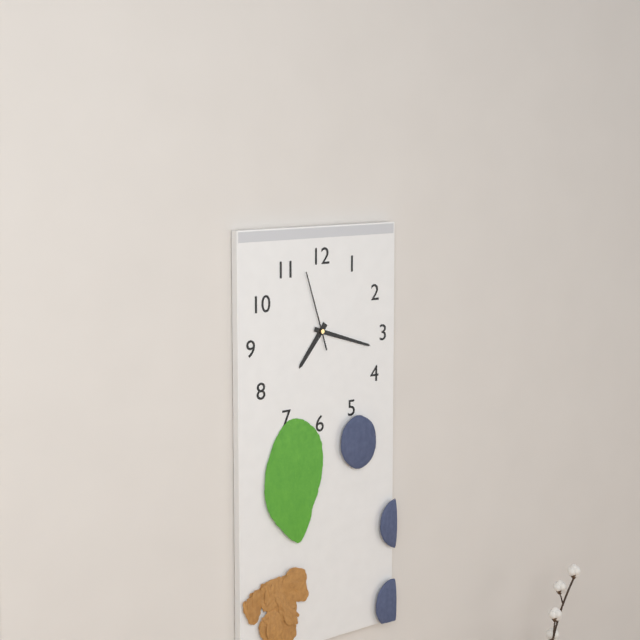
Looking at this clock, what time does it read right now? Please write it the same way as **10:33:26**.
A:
**7:18:57**
